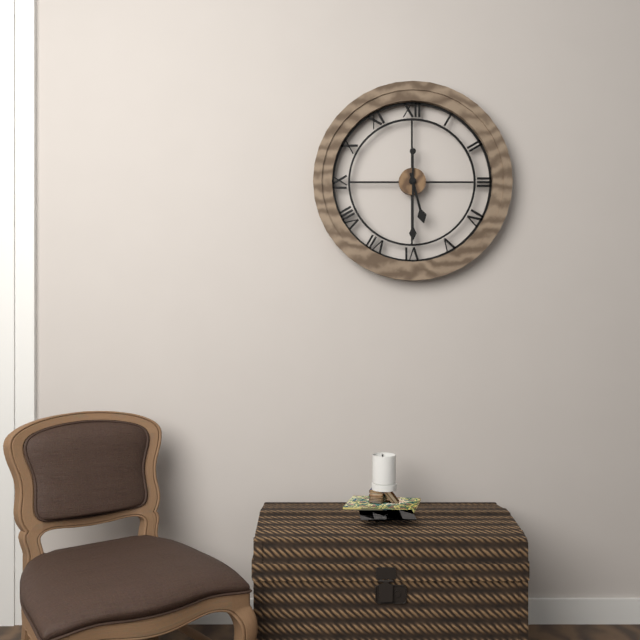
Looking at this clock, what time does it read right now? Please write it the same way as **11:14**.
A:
**5:30**
